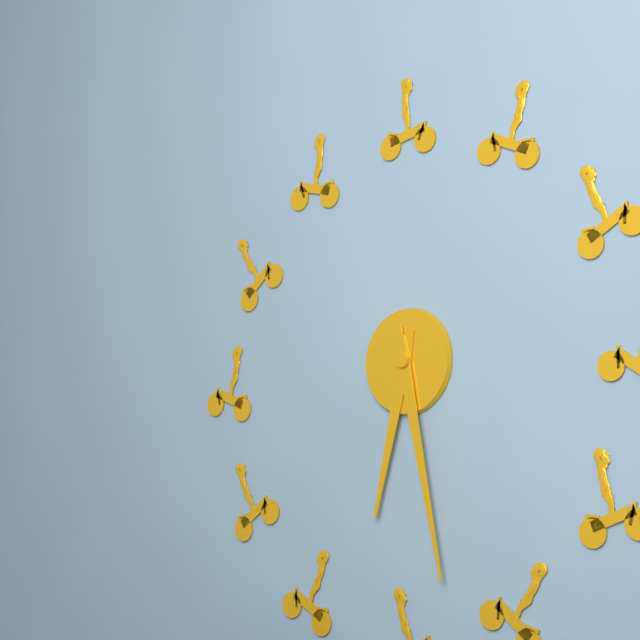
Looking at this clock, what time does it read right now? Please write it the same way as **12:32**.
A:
**6:28**
